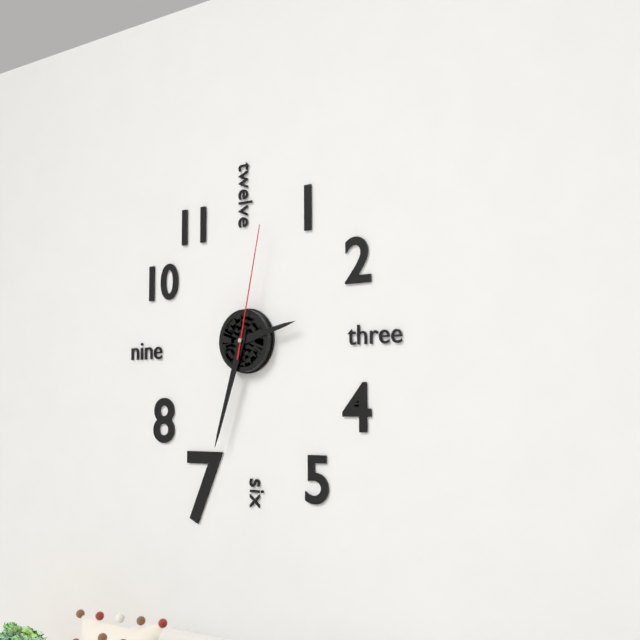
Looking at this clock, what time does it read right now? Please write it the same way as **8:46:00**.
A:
**2:33:02**
